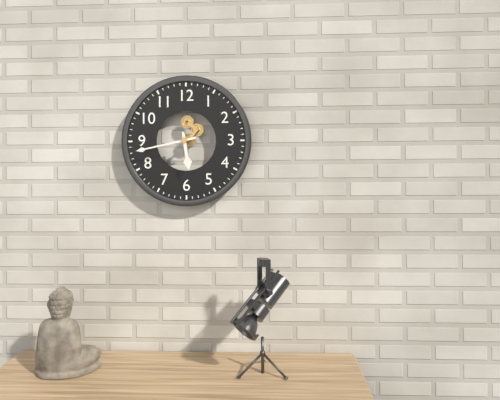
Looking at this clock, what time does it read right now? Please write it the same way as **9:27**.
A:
**5:43**
